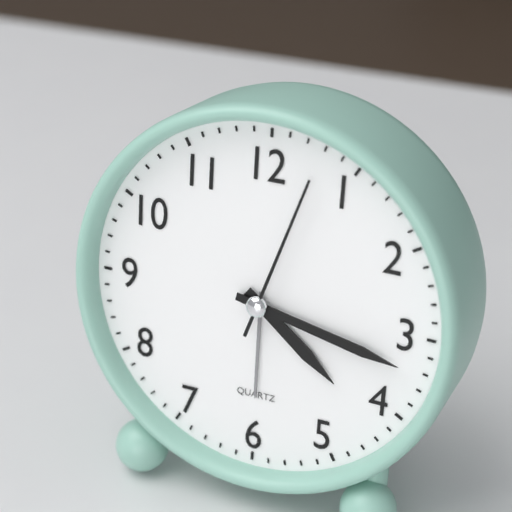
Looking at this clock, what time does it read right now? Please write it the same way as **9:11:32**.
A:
**4:17:03**
